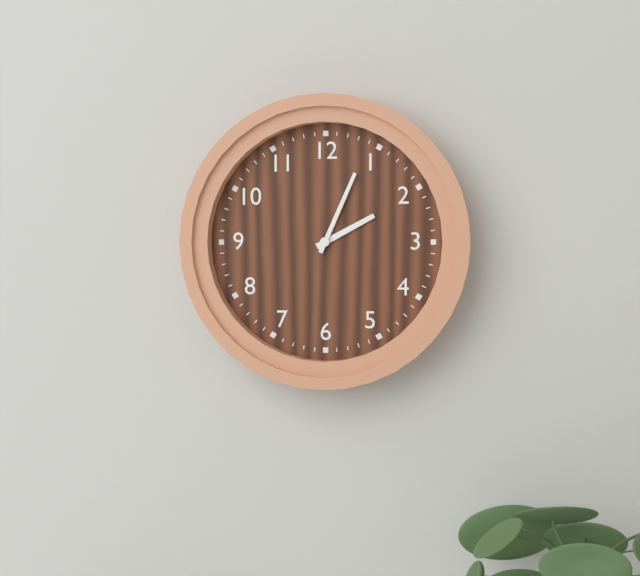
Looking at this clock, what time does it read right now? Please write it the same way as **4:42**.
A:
**2:04**
